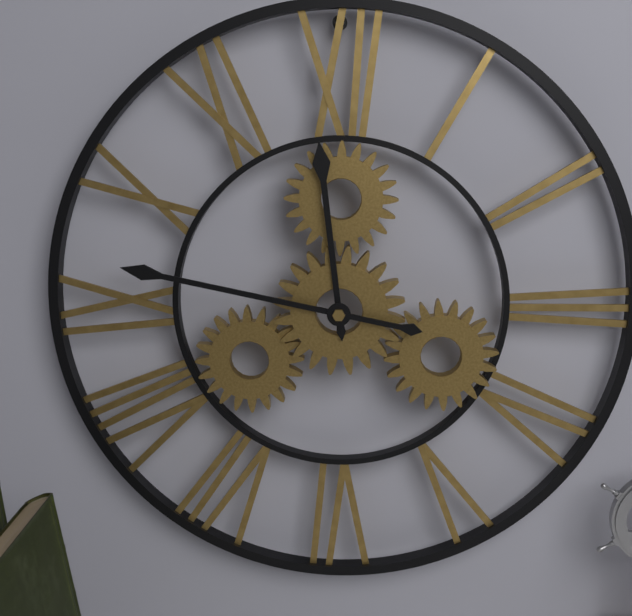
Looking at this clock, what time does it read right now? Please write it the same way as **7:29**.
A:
**11:47**
